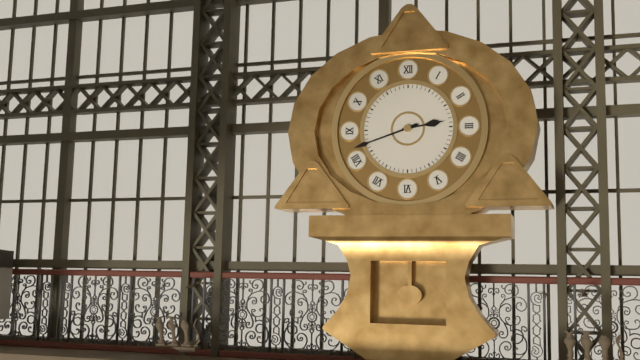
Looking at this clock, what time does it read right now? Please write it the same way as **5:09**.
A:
**2:42**
